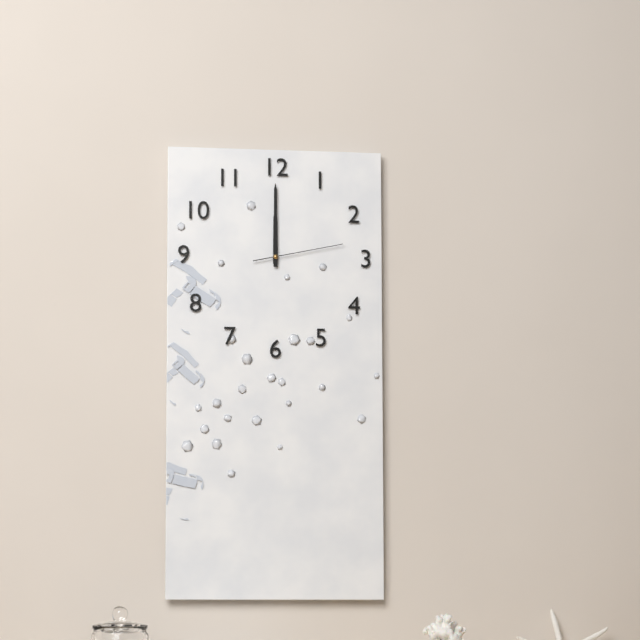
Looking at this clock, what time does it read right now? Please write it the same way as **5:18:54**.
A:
**12:00:13**
